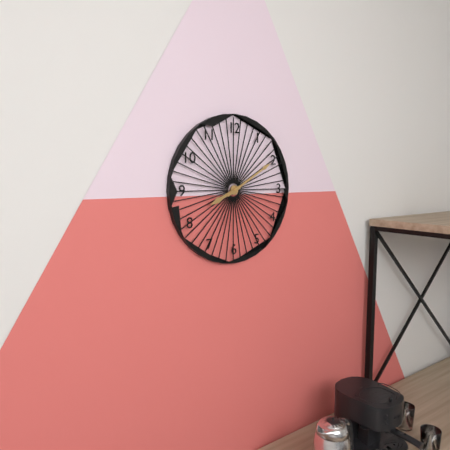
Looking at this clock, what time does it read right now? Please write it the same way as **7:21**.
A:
**8:10**
